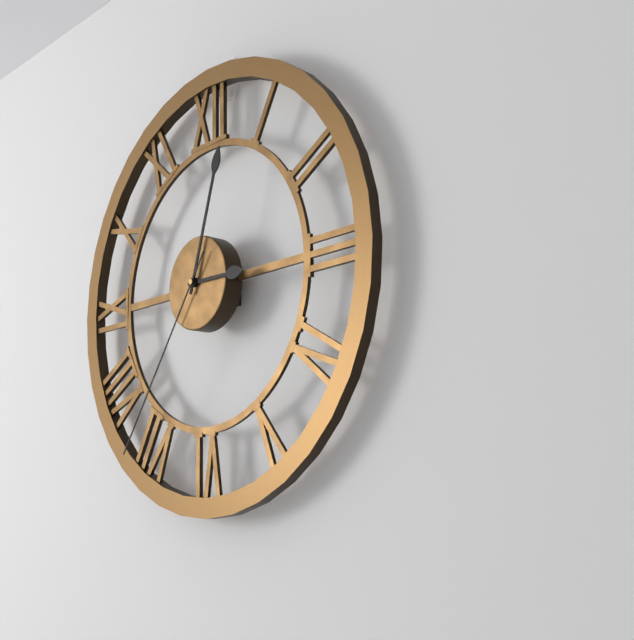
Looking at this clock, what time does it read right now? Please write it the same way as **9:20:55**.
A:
**3:03:36**
